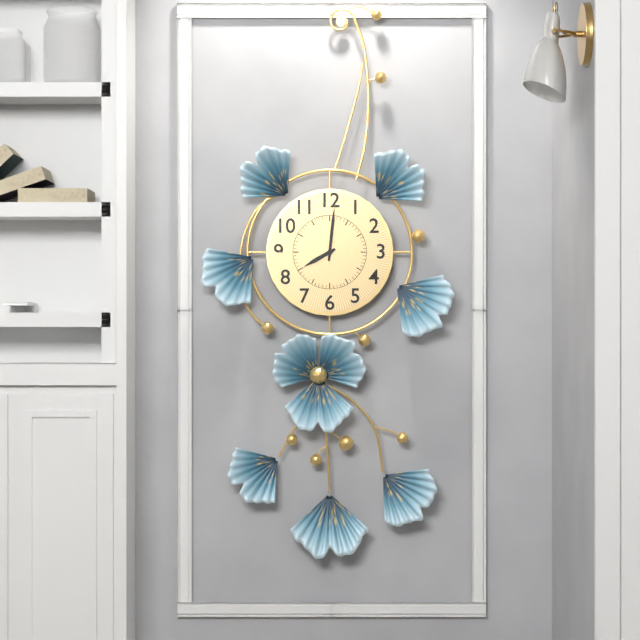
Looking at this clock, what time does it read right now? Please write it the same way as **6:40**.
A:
**8:01**
